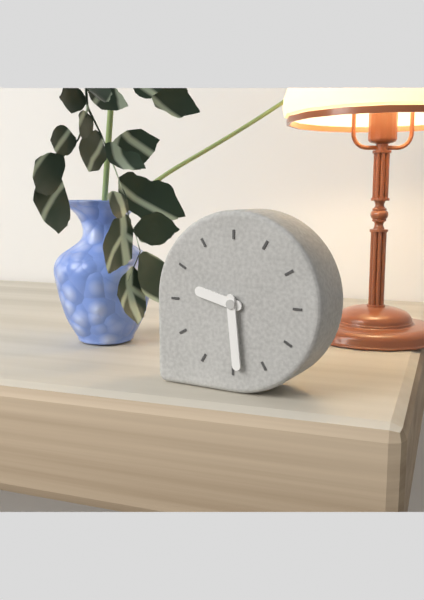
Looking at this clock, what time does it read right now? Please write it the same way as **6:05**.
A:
**9:29**
